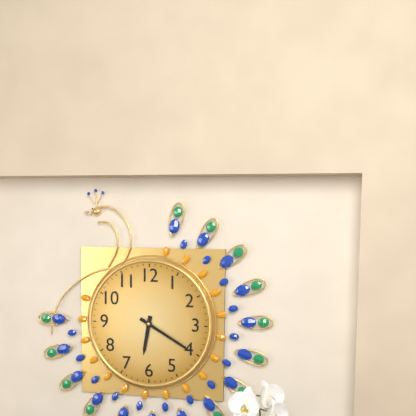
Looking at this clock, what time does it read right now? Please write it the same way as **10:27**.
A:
**6:20**
